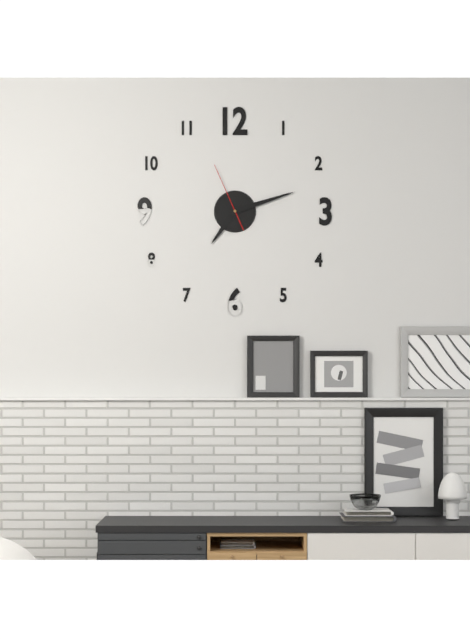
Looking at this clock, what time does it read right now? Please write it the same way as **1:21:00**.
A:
**7:12:56**
